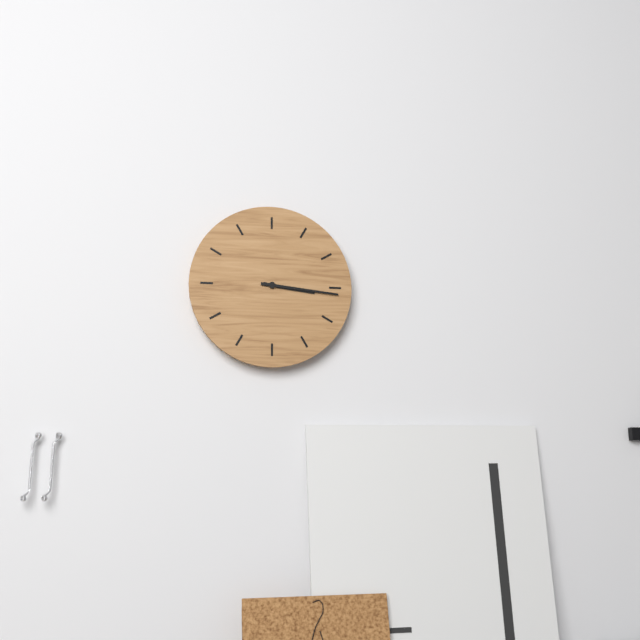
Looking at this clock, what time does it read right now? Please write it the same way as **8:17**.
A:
**3:16**
